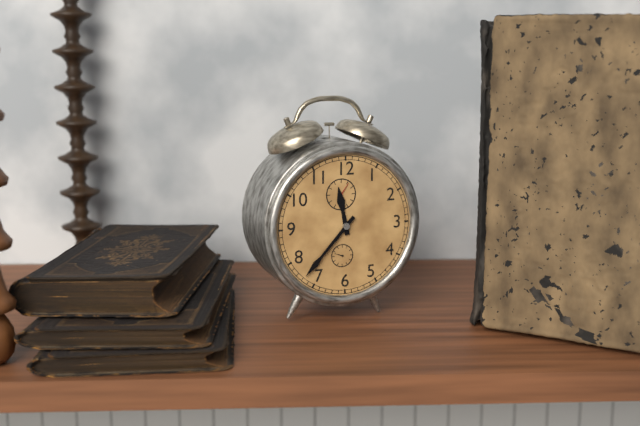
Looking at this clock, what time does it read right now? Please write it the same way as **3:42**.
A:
**11:37**
